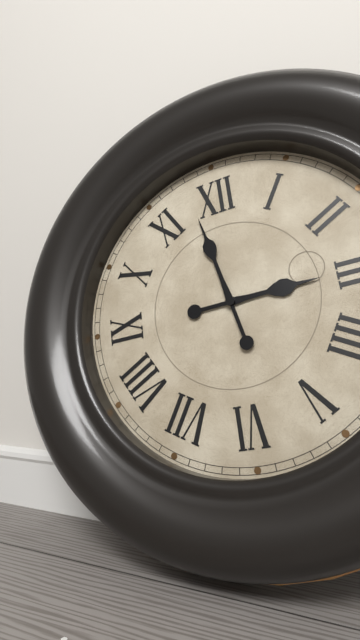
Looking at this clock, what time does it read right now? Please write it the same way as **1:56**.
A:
**2:58**
